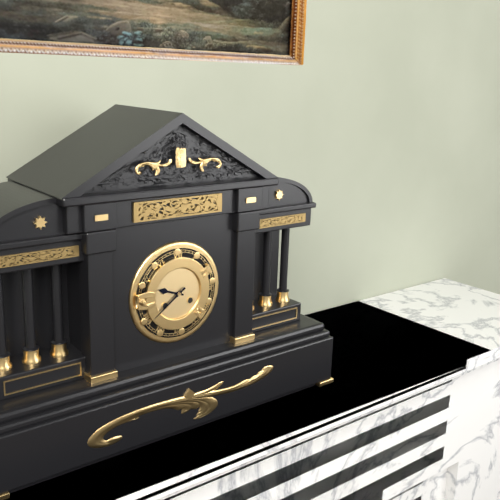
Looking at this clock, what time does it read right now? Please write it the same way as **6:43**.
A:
**9:39**
